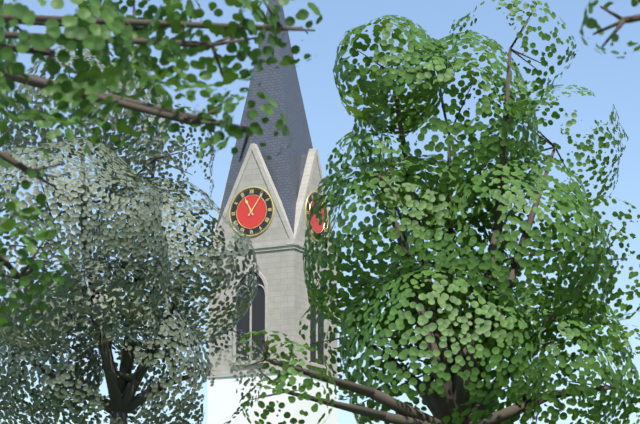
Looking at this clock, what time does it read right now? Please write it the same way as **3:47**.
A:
**11:06**
